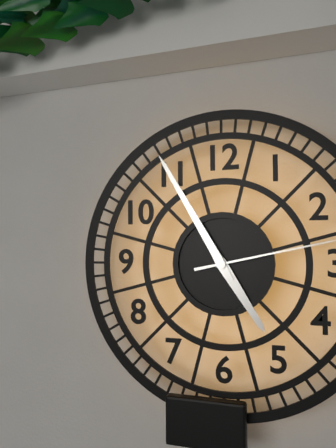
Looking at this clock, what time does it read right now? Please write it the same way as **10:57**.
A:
**4:55**
